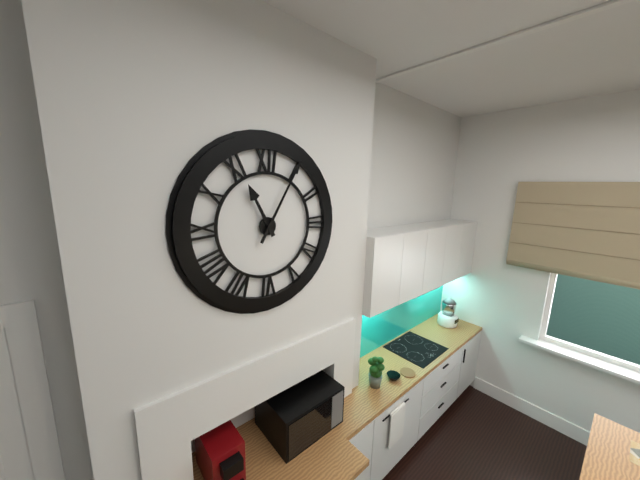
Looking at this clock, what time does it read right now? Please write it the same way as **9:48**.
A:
**11:05**
